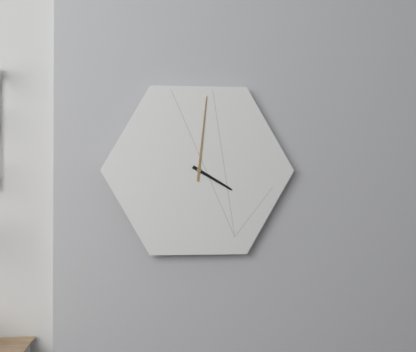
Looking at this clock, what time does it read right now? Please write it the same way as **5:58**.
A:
**4:01**
